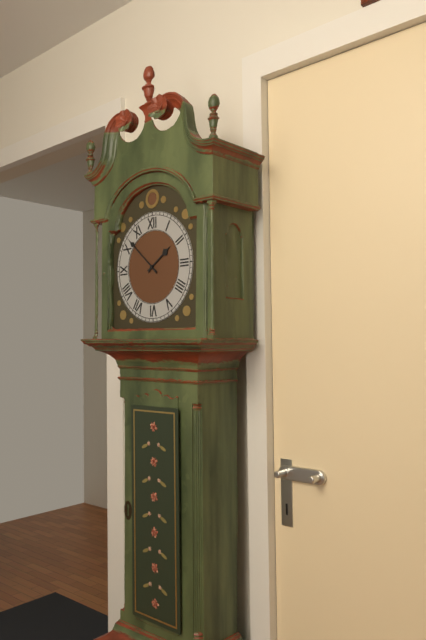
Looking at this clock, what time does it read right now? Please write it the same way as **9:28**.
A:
**1:52**
